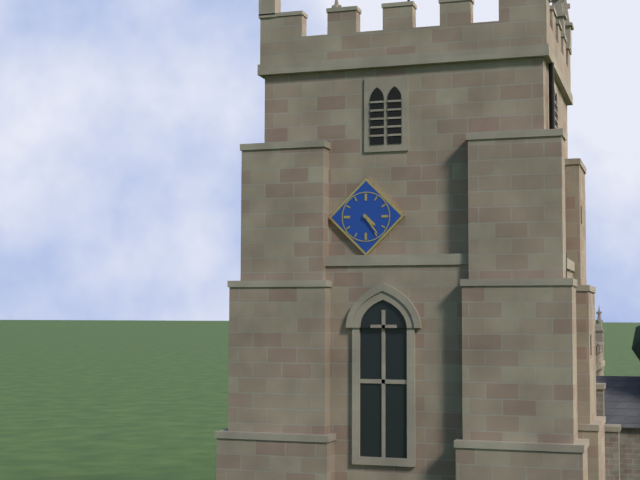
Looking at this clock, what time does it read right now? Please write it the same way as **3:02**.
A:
**4:24**
